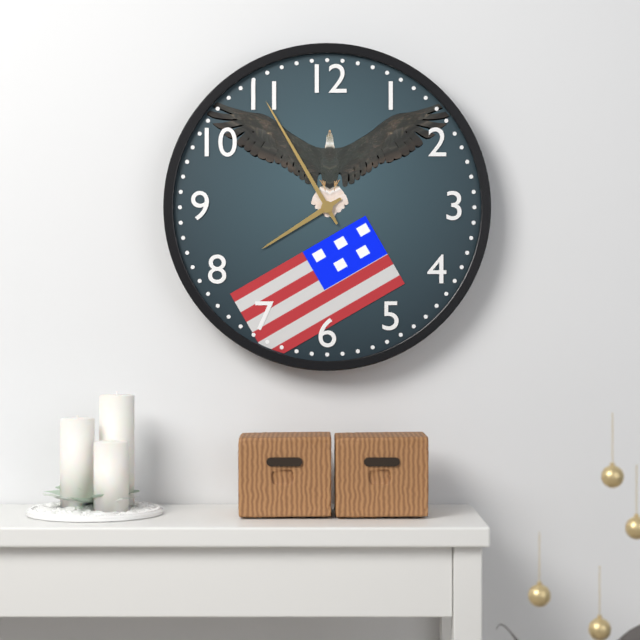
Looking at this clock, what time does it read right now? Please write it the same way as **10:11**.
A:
**7:55**
